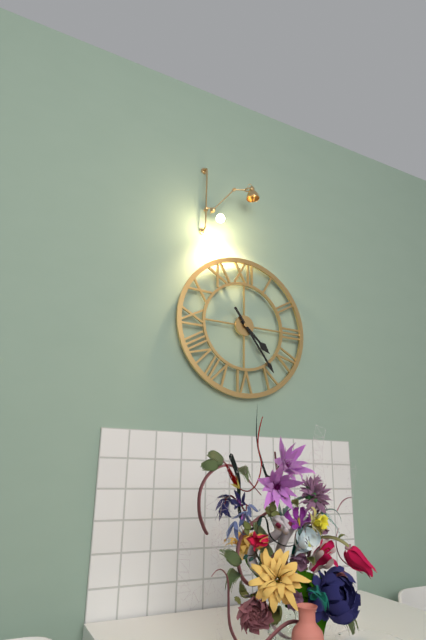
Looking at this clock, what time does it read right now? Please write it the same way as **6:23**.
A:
**4:24**
